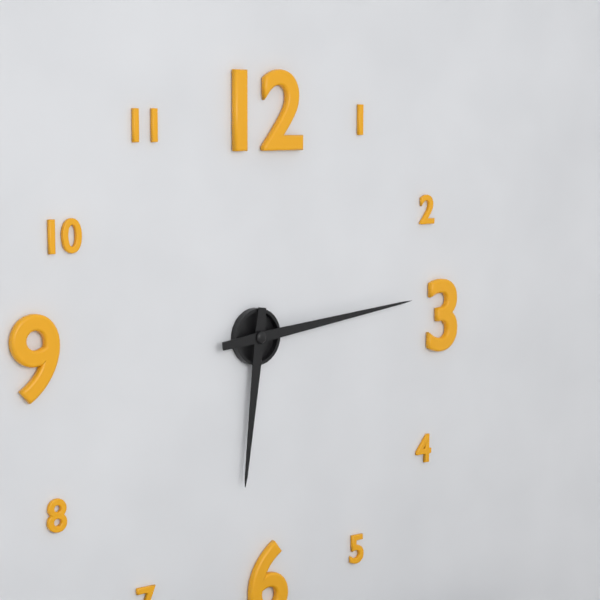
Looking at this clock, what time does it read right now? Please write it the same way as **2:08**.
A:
**6:14**
